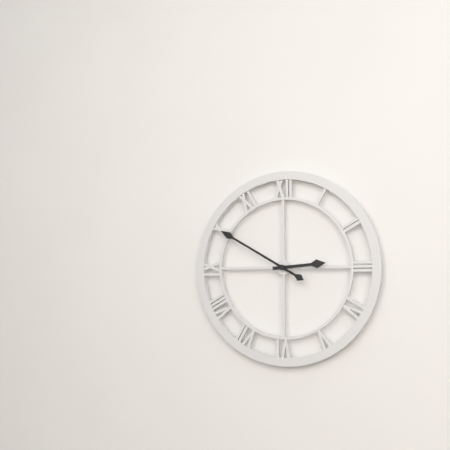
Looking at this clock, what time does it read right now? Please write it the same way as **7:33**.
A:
**2:50**
